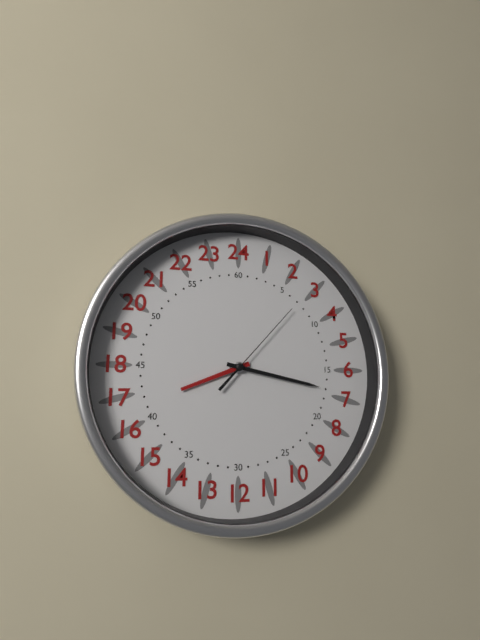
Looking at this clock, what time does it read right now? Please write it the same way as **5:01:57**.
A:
**8:17:07**
